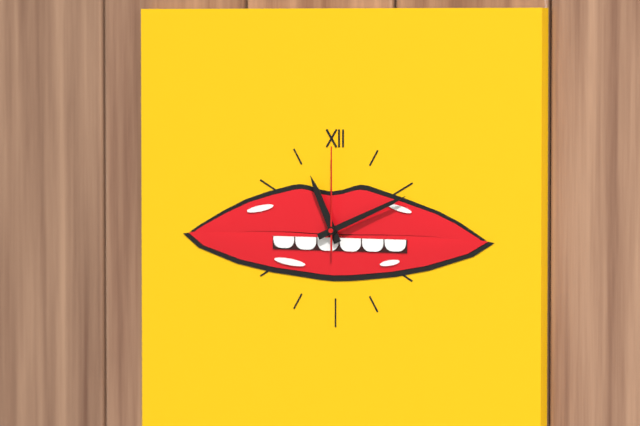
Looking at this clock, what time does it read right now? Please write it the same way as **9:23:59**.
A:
**11:11:00**
